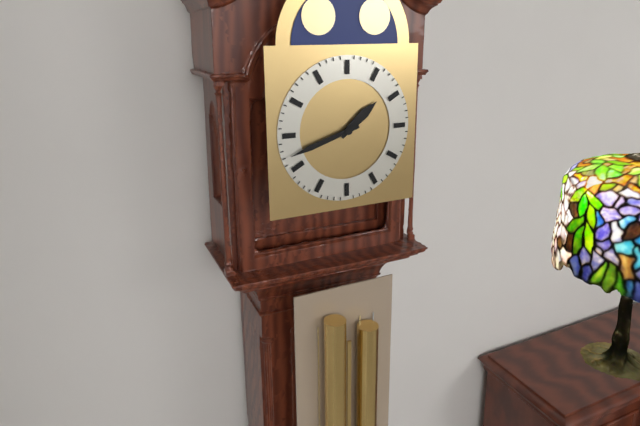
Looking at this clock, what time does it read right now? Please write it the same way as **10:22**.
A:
**1:42**
